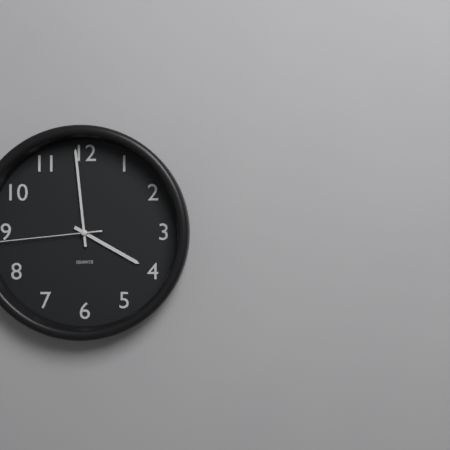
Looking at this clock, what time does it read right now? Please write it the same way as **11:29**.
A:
**3:59**
